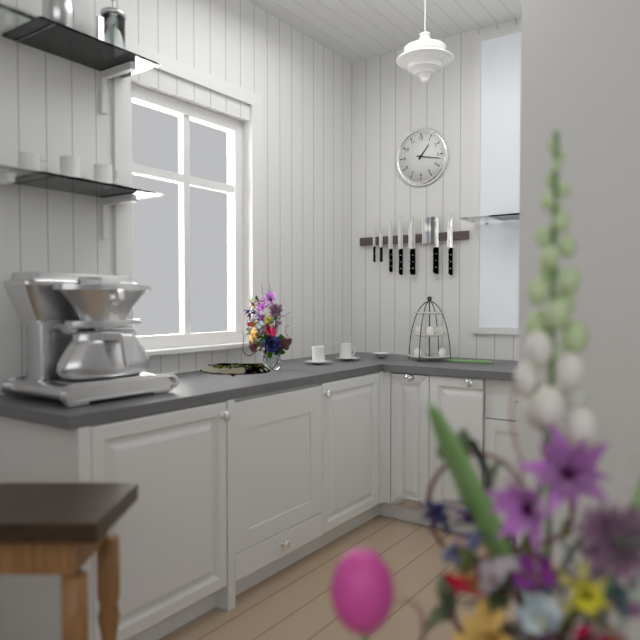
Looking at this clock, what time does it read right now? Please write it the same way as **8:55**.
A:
**1:17**
